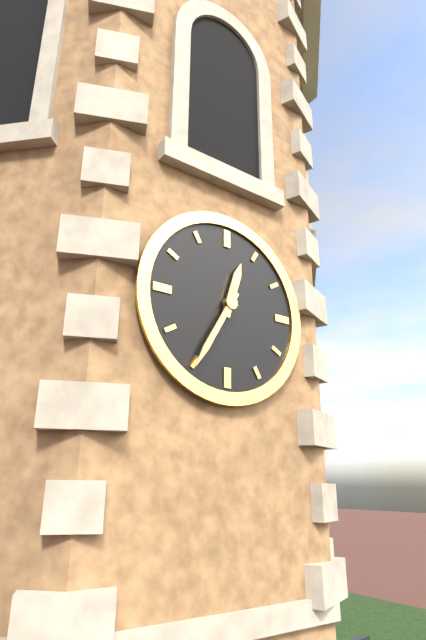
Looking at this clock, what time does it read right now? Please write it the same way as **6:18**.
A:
**12:35**
